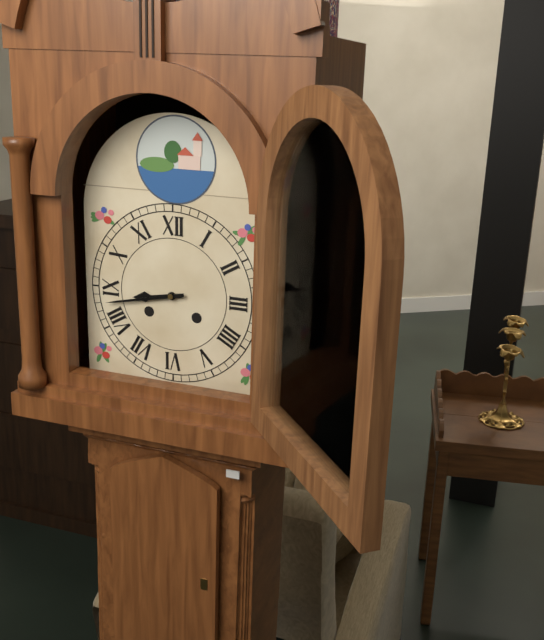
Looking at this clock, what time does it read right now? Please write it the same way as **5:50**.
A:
**8:43**
